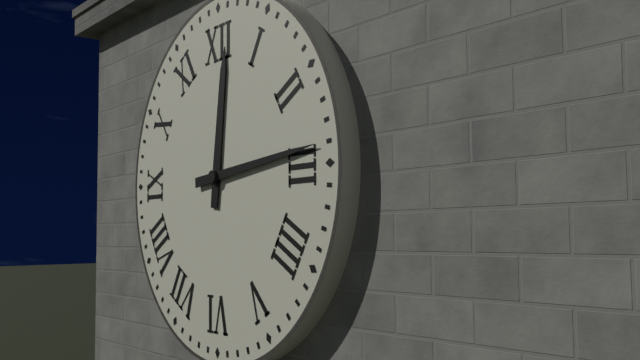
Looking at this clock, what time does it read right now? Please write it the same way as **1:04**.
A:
**12:14**
